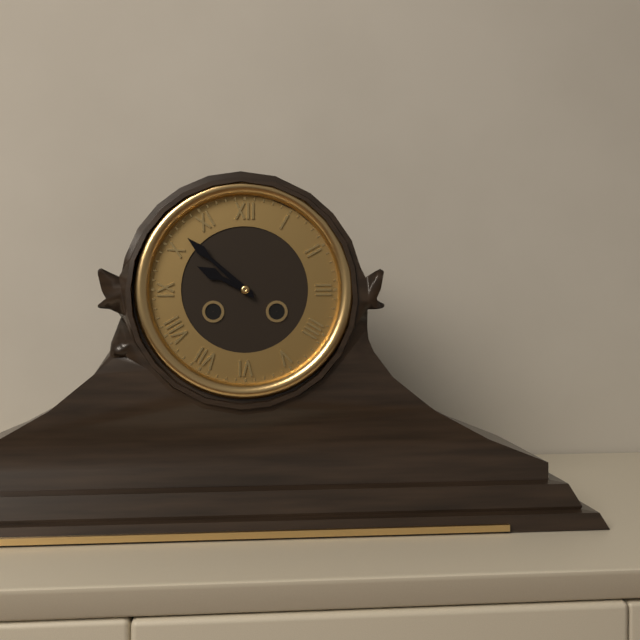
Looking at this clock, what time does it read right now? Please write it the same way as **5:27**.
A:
**9:52**
